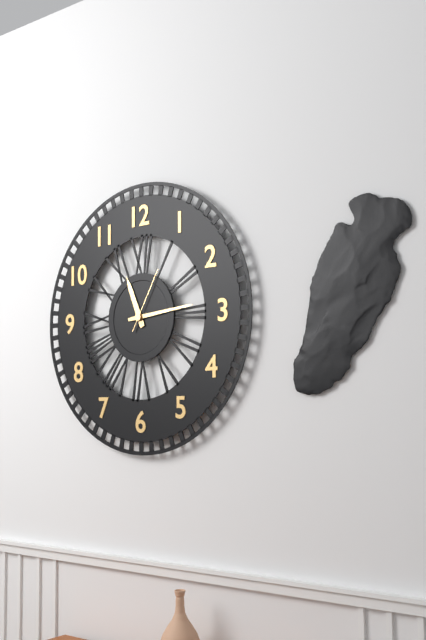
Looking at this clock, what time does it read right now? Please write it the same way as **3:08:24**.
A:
**11:14:05**
